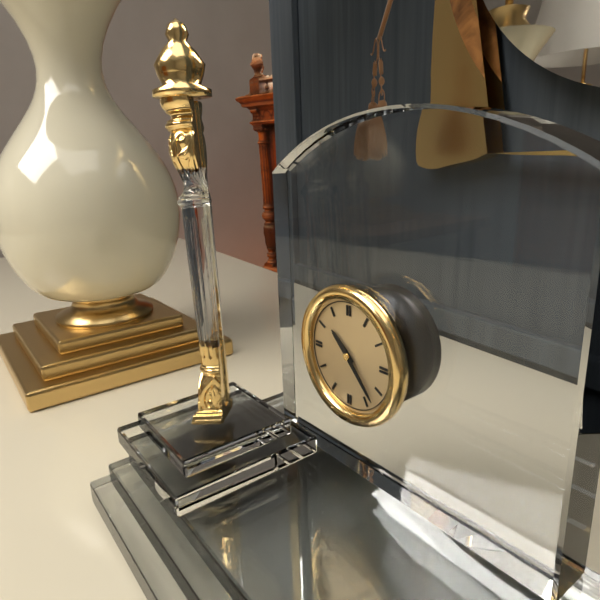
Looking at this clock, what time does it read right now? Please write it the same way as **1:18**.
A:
**10:23**
